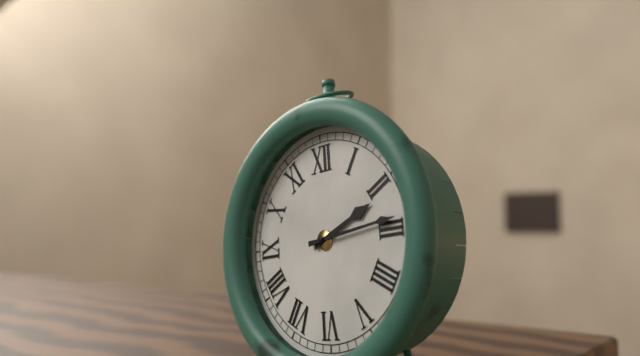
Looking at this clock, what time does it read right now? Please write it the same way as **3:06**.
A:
**2:14**
